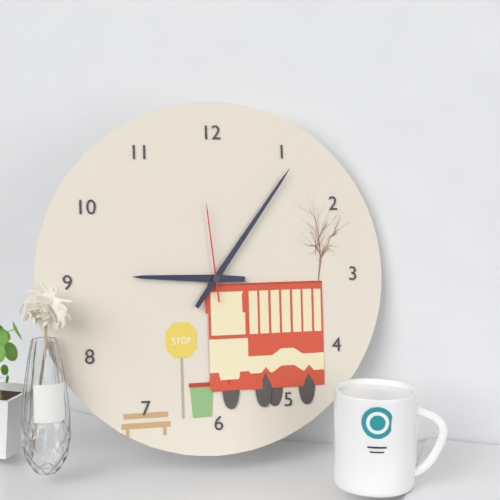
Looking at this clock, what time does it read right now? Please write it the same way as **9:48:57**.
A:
**9:06:59**
